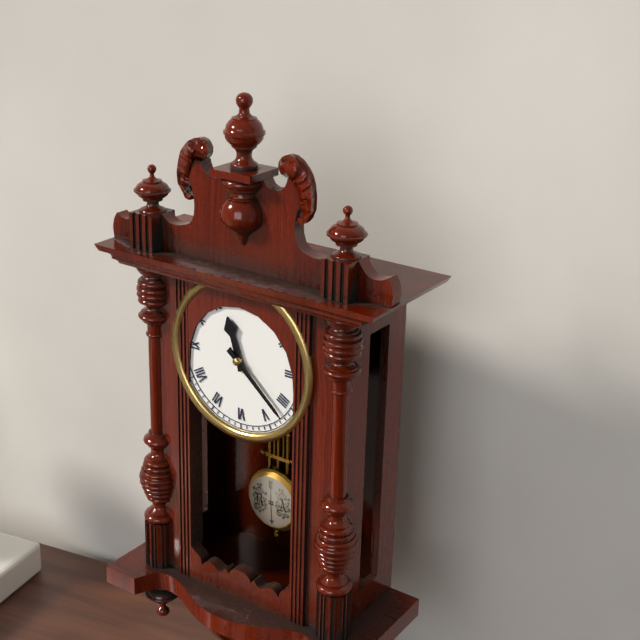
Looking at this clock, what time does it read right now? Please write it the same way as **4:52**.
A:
**11:22**
